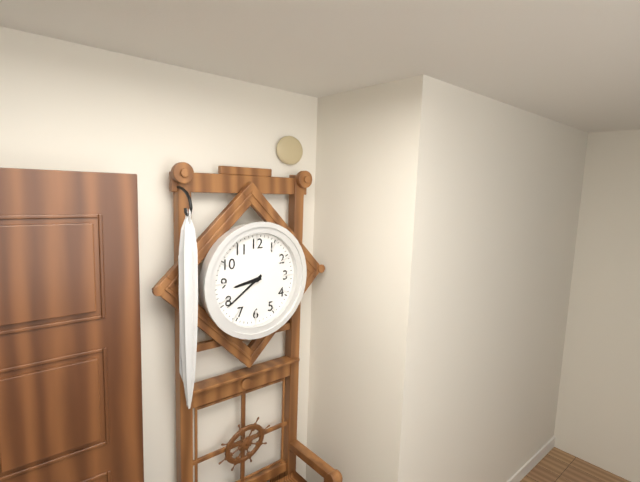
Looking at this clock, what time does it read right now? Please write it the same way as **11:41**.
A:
**8:39**
